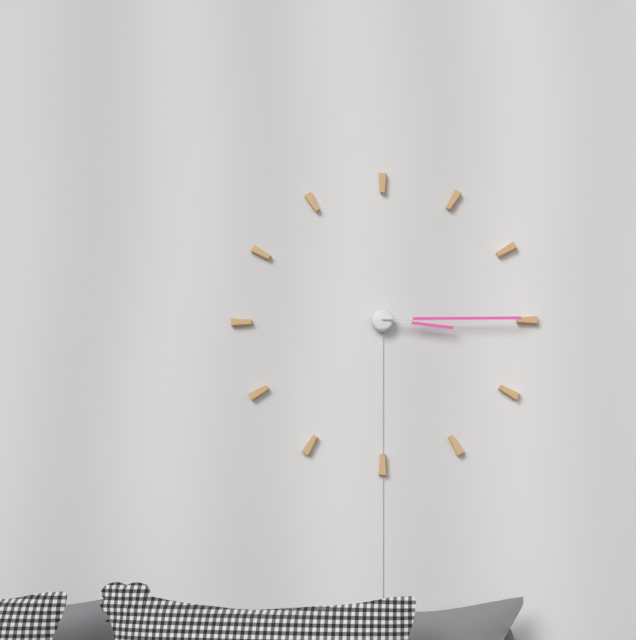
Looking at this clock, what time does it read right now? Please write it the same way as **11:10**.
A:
**3:15**
